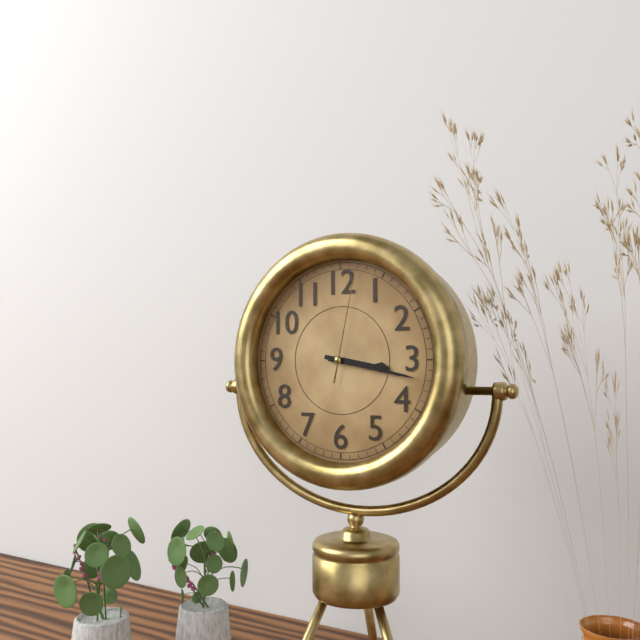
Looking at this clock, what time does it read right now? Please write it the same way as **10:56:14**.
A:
**3:17:02**
